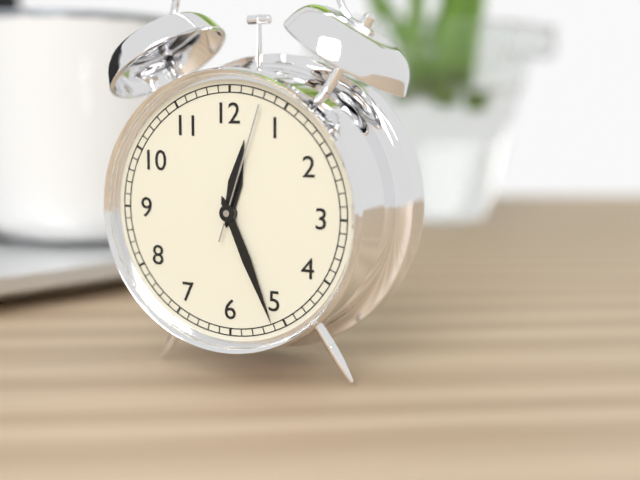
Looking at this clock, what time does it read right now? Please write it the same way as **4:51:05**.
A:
**12:26:03**
